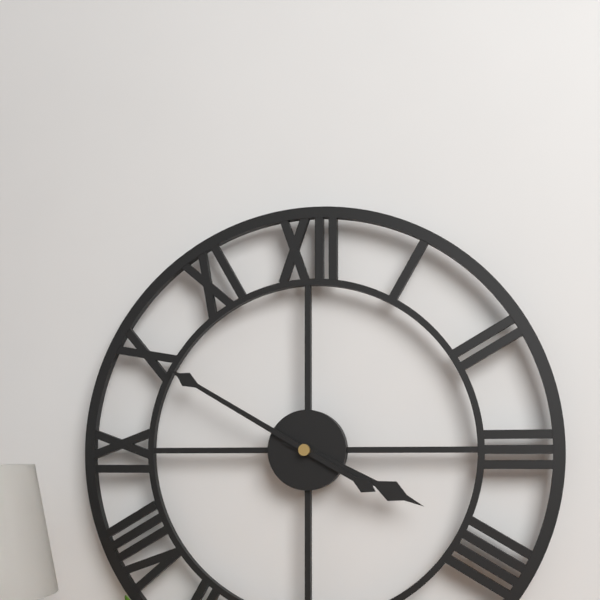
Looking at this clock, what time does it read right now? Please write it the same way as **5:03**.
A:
**3:50**
